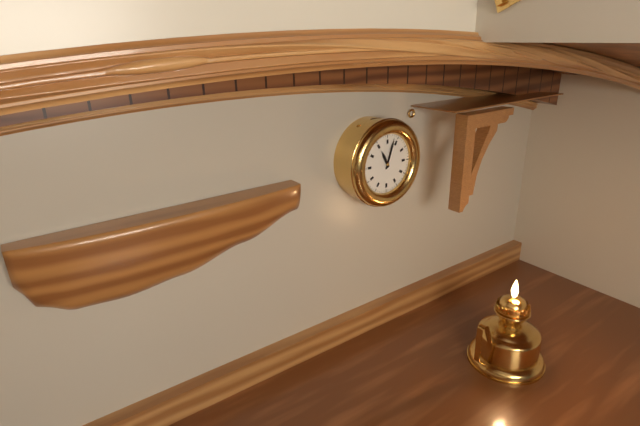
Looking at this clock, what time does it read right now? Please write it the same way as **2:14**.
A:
**11:03**
